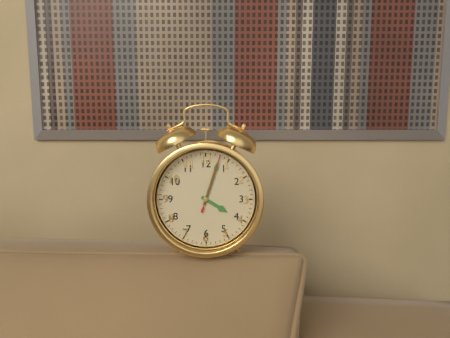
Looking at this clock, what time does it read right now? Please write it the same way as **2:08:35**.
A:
**4:03:03**
